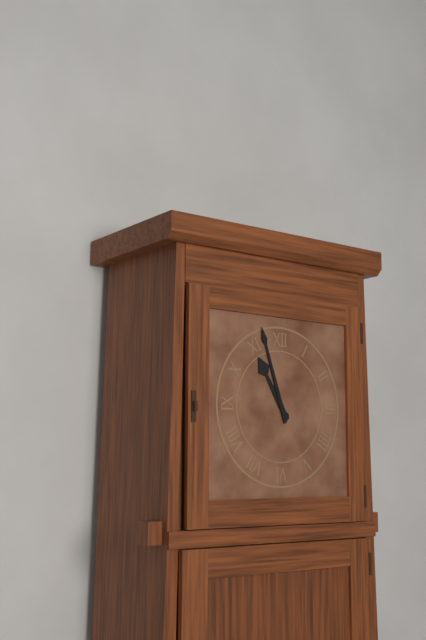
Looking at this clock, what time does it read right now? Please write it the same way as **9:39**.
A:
**10:57**
